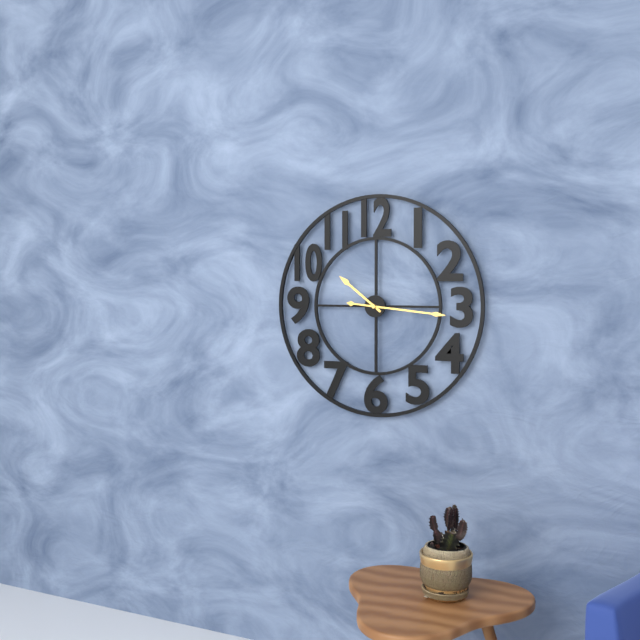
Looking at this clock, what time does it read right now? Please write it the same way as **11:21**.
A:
**10:16**
